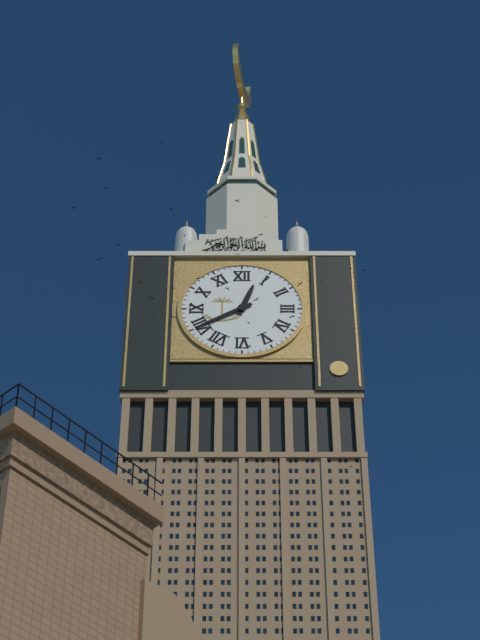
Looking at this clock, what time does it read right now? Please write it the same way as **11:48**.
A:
**12:40**
